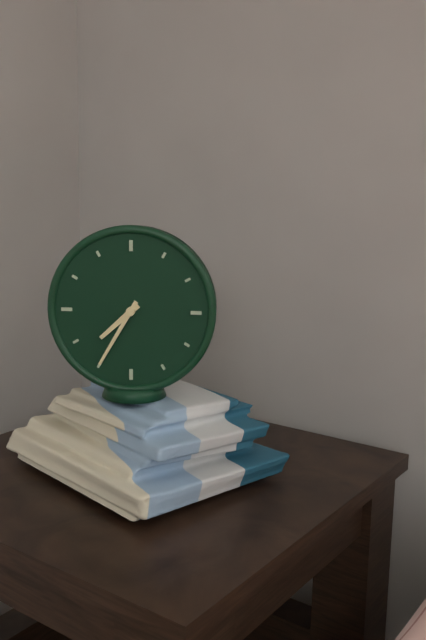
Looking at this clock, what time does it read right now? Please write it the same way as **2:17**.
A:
**7:35**
